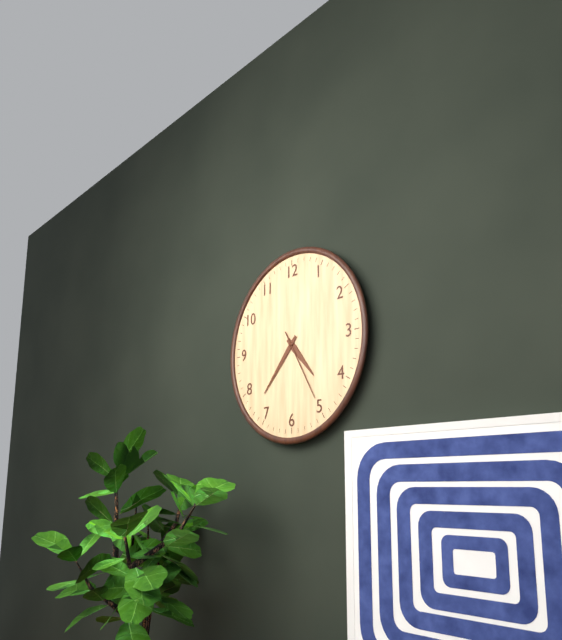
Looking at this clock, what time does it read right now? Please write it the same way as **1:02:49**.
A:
**4:37:25**
